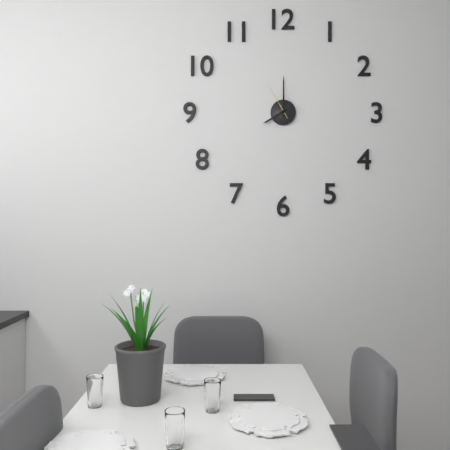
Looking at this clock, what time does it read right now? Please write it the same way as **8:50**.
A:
**8:00**
